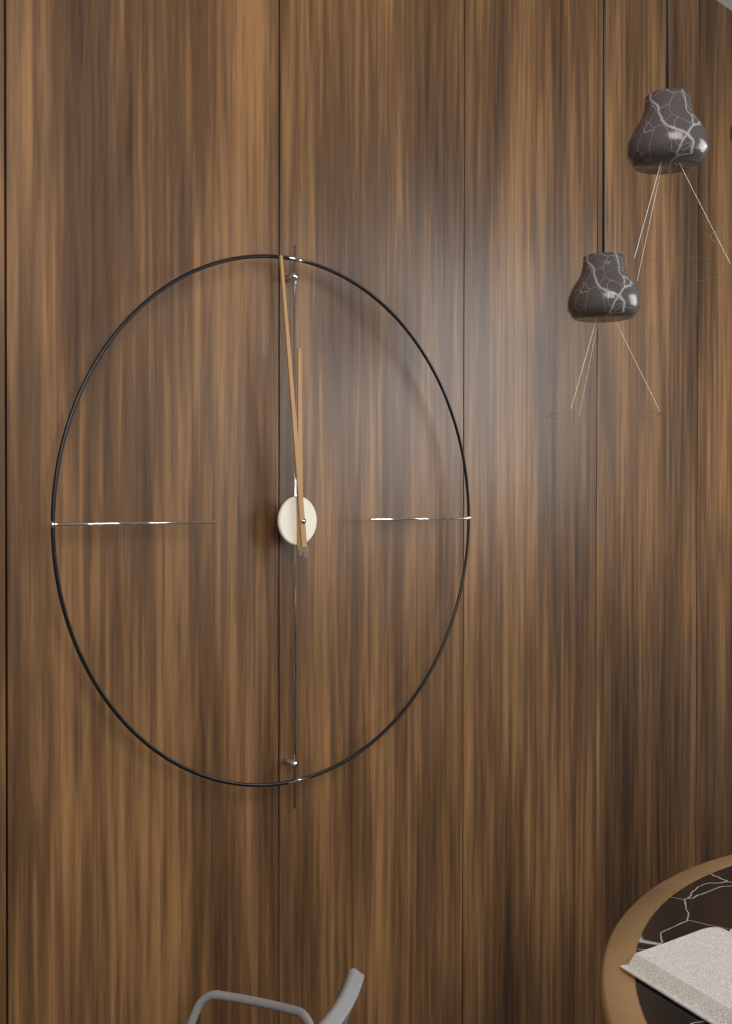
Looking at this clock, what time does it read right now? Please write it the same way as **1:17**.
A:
**11:59**
